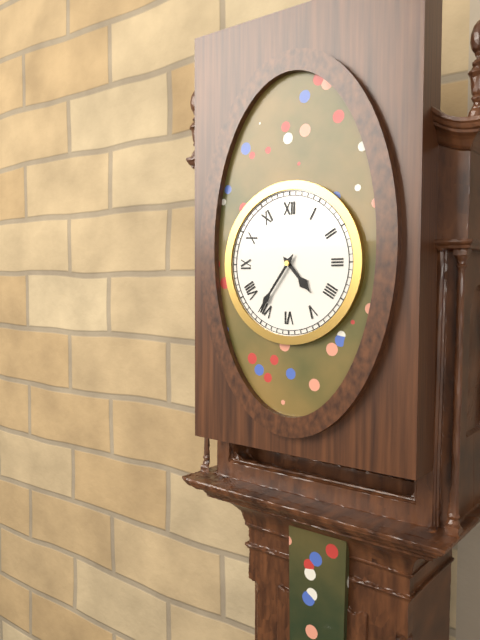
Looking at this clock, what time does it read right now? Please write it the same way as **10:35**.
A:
**4:36**
